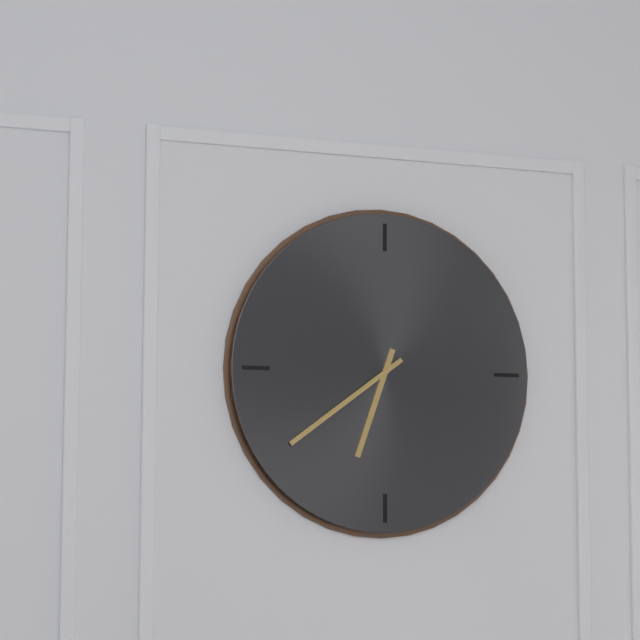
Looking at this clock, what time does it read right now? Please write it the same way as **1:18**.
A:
**6:39**
